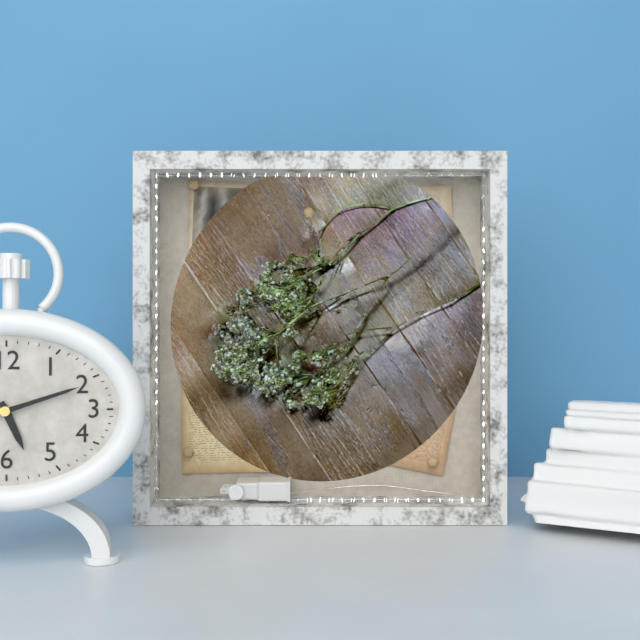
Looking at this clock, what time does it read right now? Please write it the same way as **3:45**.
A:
**5:12**
